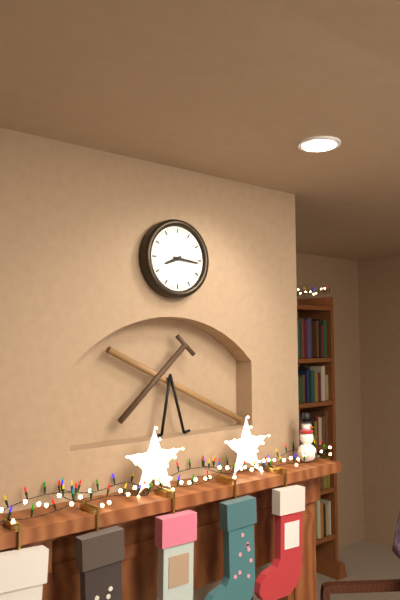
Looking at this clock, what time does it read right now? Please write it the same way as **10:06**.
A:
**8:16**
